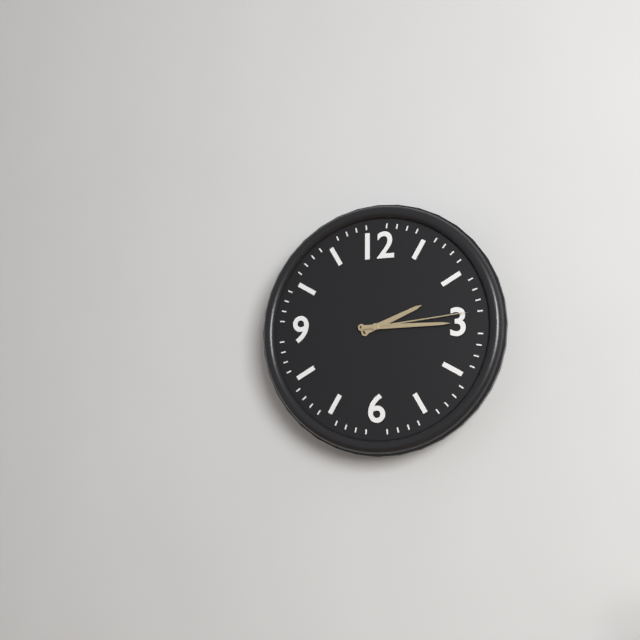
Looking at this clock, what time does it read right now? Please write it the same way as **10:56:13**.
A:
**2:15:14**
